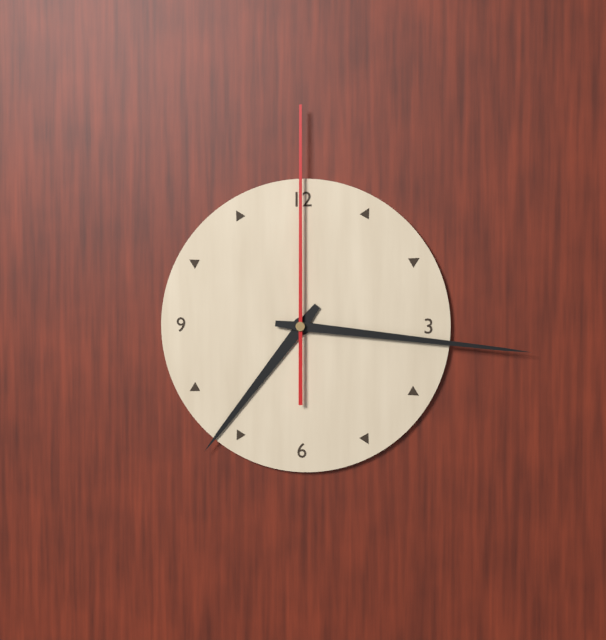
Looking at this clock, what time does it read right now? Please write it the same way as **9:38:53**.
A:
**7:16:00**
